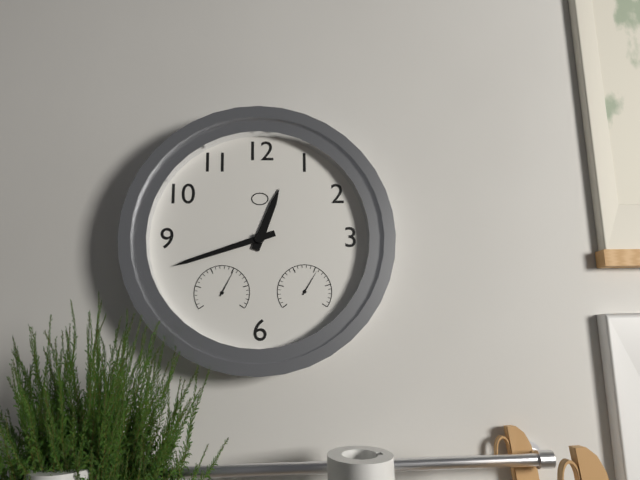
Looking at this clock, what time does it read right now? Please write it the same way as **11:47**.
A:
**12:42**
